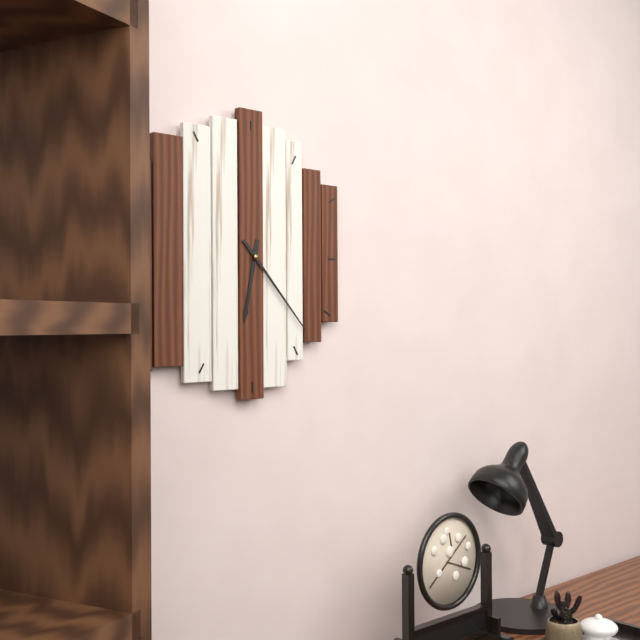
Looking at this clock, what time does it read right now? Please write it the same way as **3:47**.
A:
**6:23**
